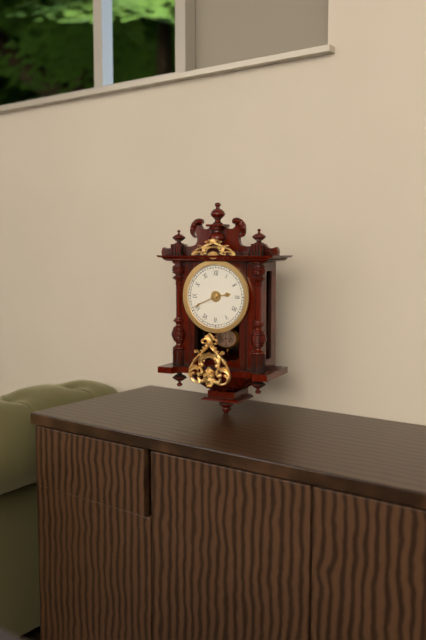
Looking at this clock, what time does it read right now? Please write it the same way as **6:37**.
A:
**2:41**
